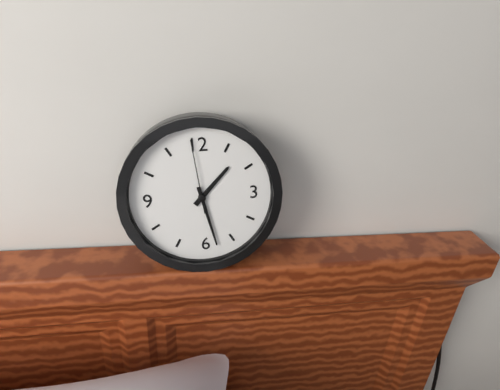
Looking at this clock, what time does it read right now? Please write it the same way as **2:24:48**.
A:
**1:28:59**
